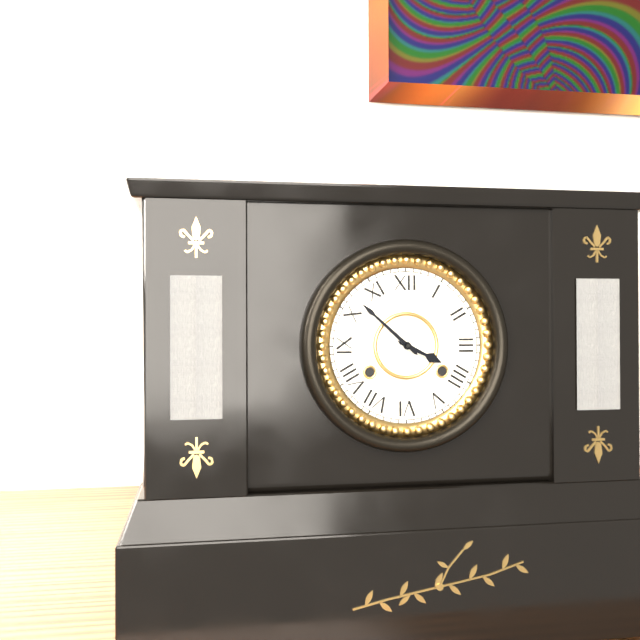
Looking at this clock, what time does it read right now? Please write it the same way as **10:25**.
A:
**3:52**
